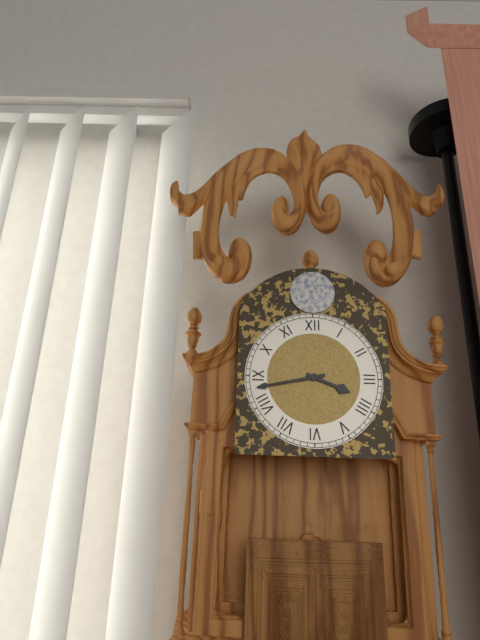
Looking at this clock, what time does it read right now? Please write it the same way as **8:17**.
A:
**3:43**
